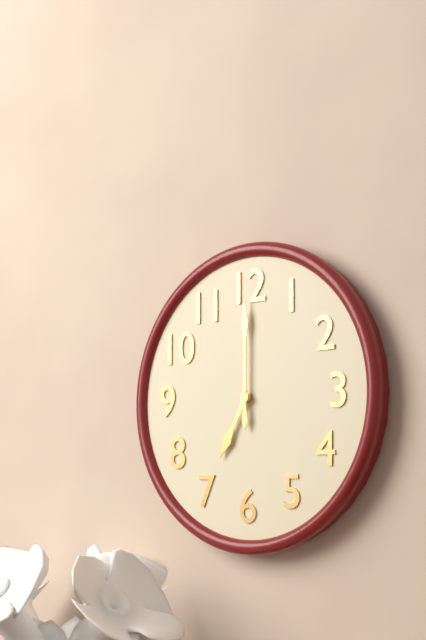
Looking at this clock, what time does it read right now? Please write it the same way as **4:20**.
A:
**7:00**
